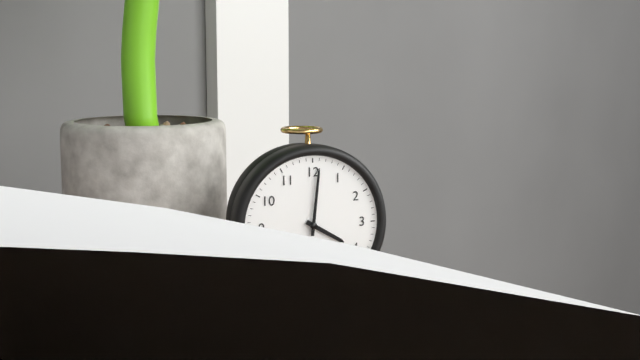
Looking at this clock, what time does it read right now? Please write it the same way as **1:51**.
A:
**4:01**
